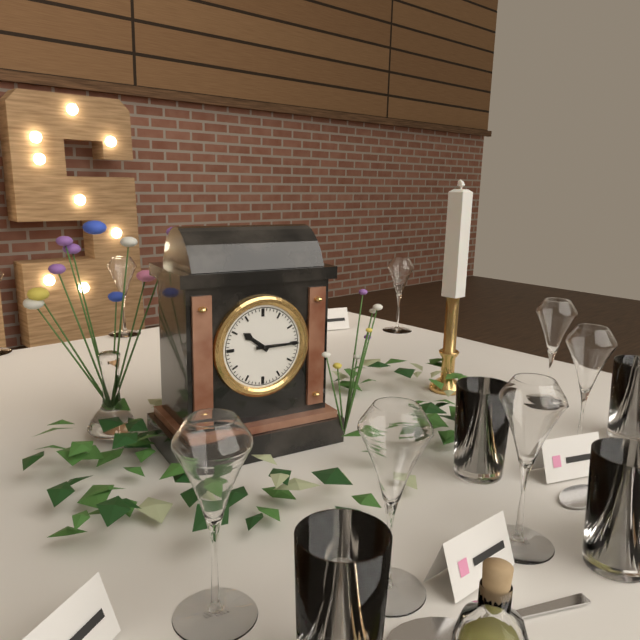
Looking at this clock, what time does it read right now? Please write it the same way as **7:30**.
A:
**10:15**
